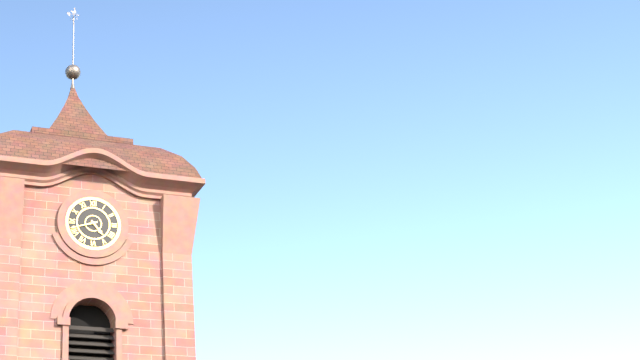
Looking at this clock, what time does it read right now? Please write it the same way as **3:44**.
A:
**4:42**
